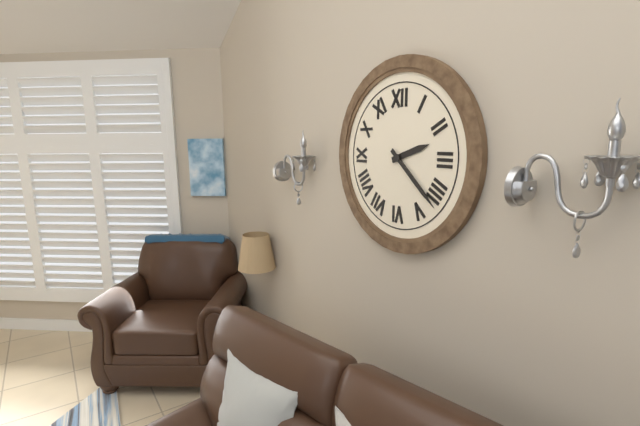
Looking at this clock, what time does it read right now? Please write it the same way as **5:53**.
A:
**2:22**
